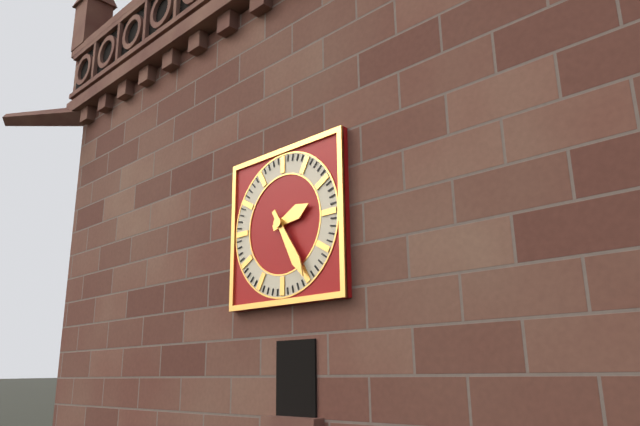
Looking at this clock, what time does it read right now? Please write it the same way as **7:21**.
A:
**2:25**
